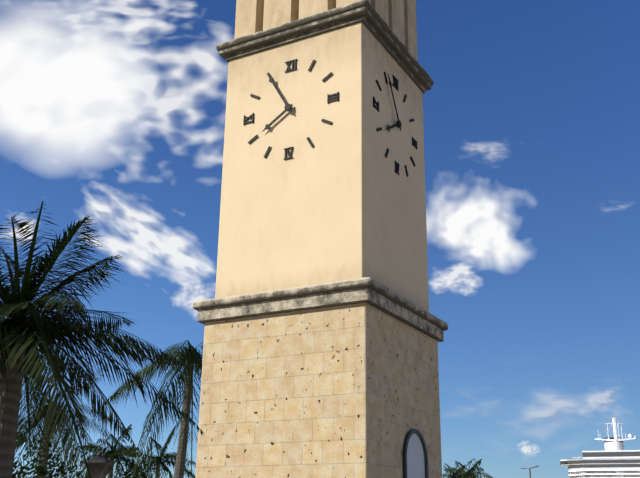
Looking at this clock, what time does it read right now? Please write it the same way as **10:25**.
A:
**7:55**
